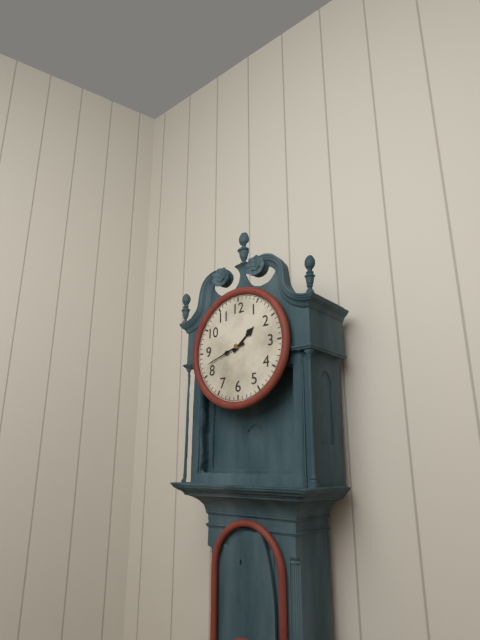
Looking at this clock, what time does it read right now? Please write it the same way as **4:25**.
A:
**1:42**
